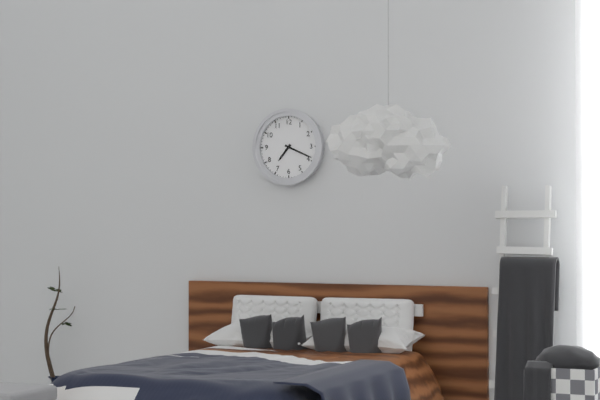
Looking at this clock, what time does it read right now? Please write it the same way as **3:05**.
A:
**7:19**
